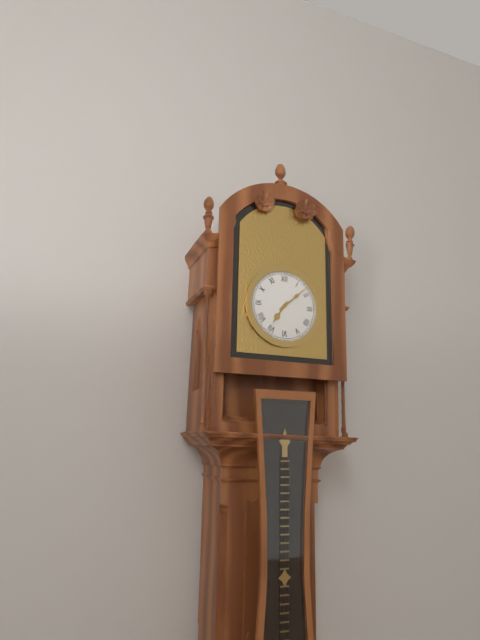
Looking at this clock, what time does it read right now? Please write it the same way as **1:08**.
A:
**7:08**
